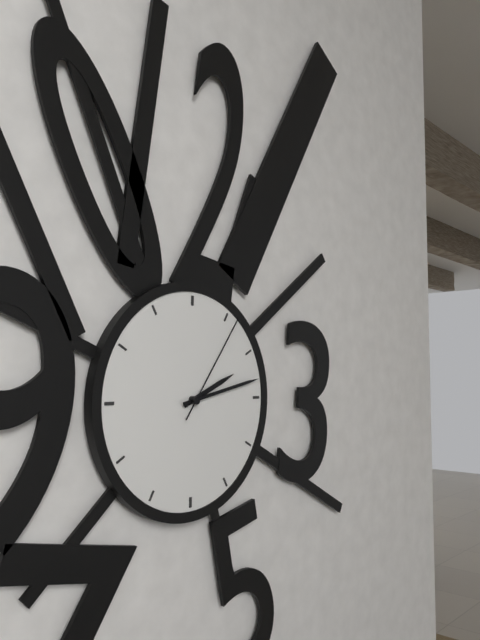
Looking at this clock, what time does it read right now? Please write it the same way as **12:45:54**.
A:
**2:13:06**
